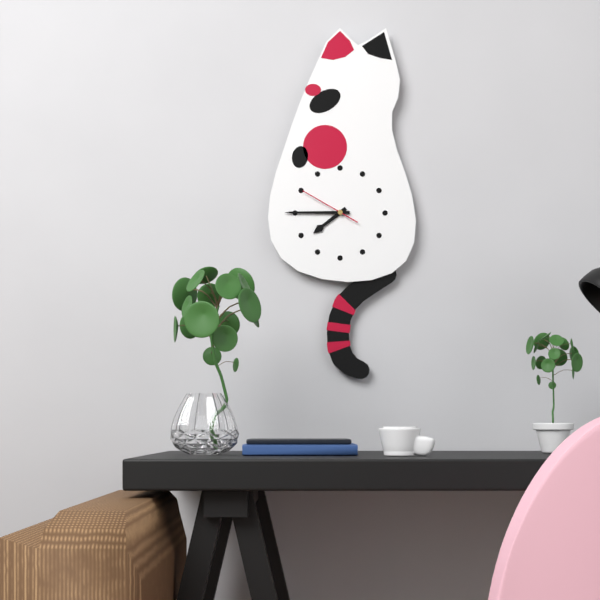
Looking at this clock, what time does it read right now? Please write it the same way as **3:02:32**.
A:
**7:45:50**
